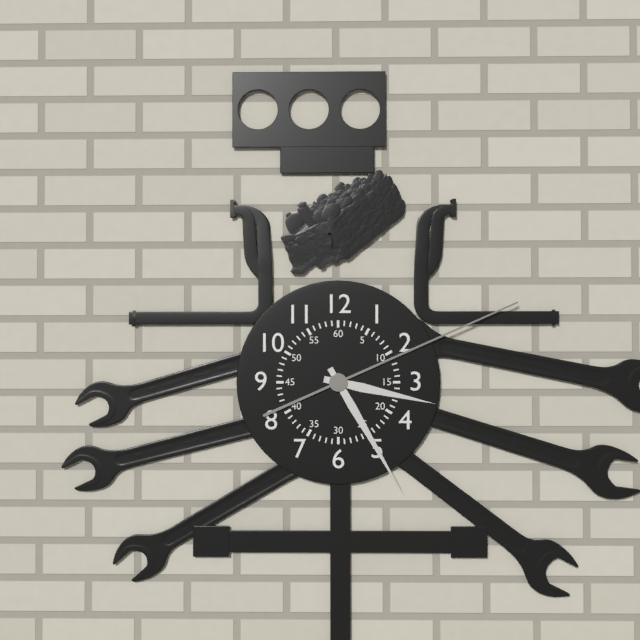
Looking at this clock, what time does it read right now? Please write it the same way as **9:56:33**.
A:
**3:25:11**
